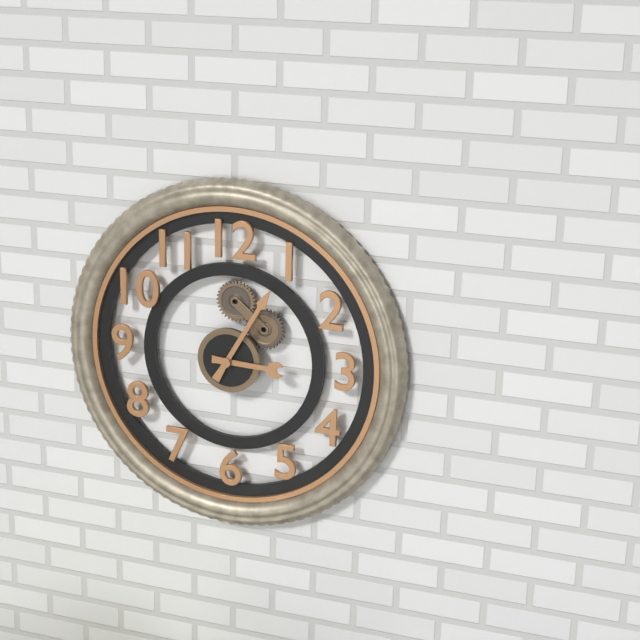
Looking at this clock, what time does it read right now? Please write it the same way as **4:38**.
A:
**3:05**
